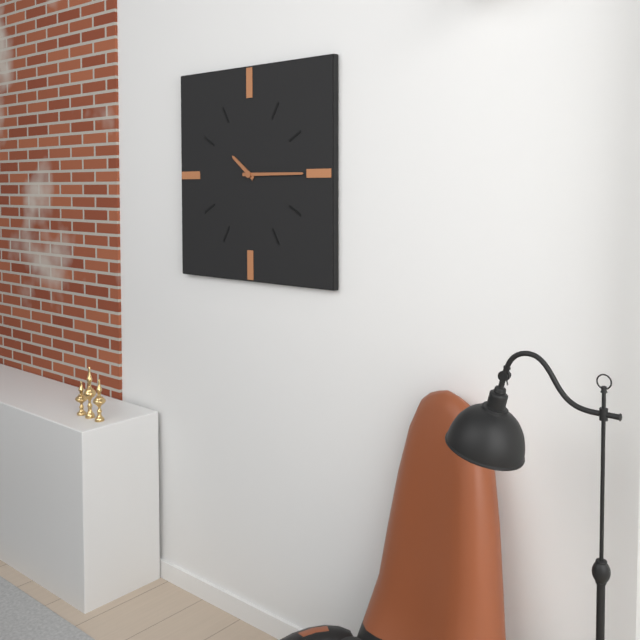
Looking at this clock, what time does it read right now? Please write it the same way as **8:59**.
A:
**10:15**
